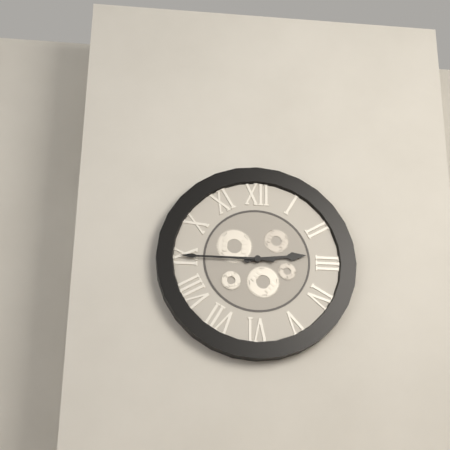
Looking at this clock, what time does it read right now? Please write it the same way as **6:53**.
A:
**2:45**
